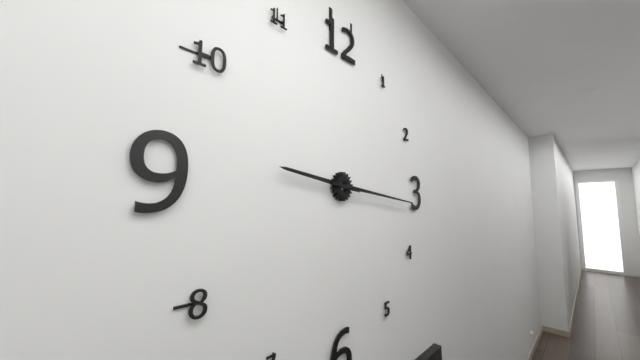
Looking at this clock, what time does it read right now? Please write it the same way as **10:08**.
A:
**9:16**
